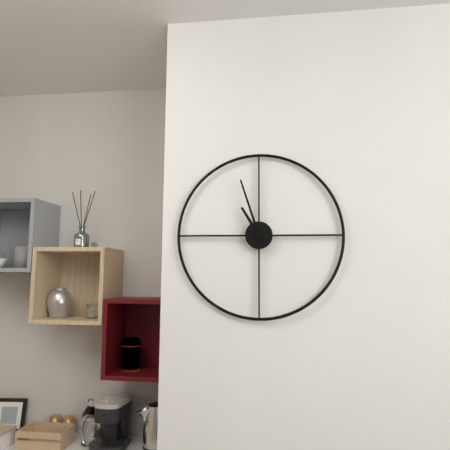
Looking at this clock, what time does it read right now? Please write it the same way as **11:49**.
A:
**10:57**
